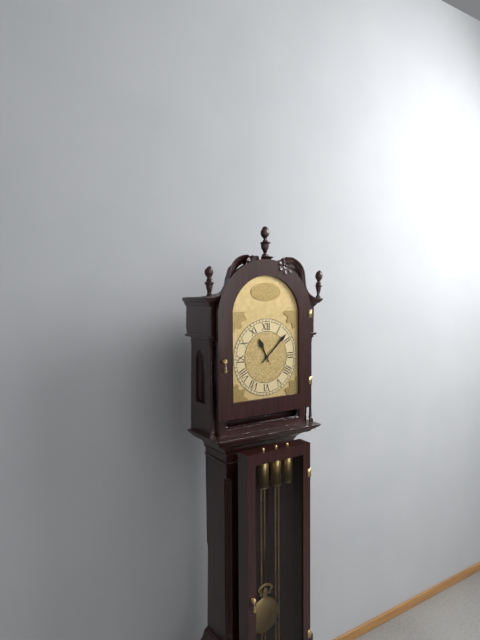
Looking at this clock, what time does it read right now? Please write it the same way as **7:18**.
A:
**11:08**
